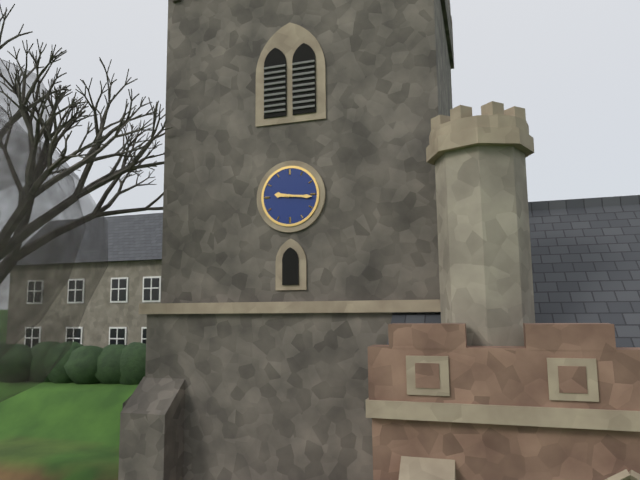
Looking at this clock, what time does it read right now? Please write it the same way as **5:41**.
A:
**9:16**
